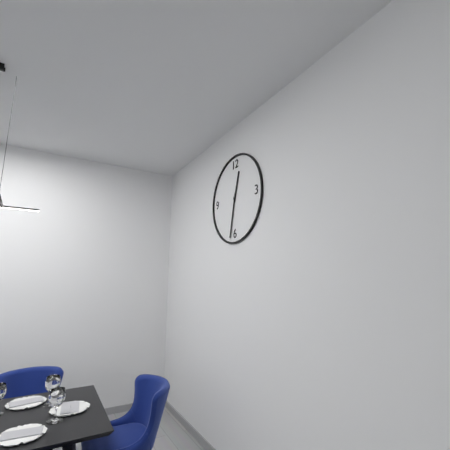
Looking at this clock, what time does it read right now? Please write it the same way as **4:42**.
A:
**12:32**
